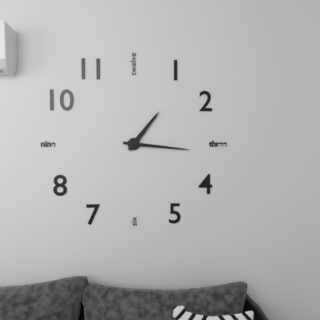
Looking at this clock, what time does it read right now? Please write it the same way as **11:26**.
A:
**1:16**
